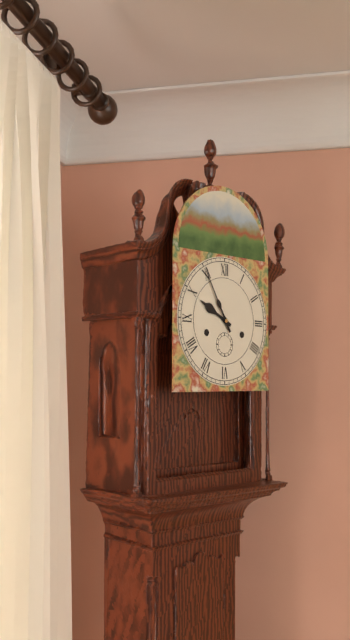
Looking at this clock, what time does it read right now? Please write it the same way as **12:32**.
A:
**9:55**
